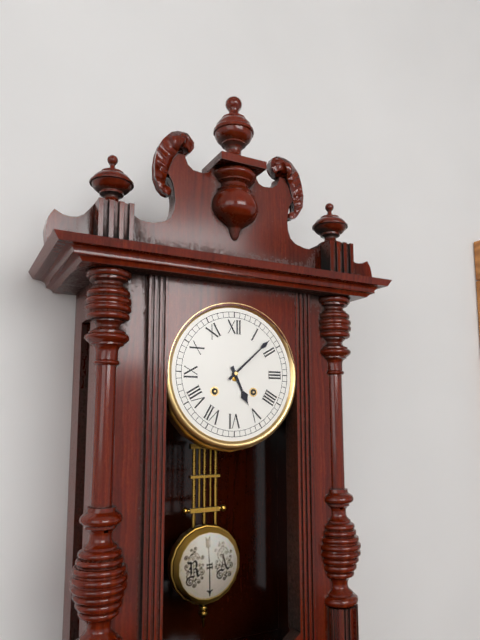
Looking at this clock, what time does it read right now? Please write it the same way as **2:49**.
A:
**5:08**
